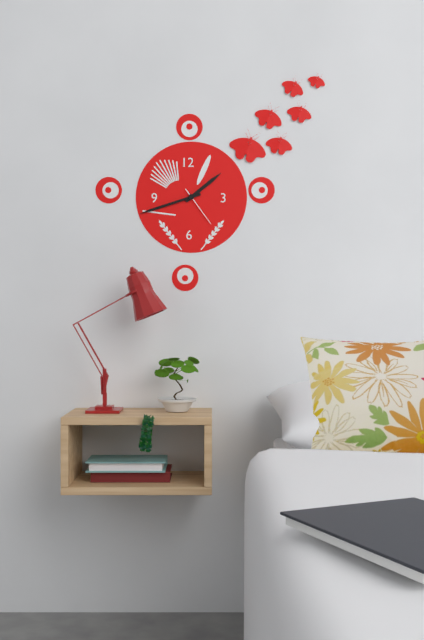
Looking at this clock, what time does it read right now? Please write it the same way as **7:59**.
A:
**1:42**
